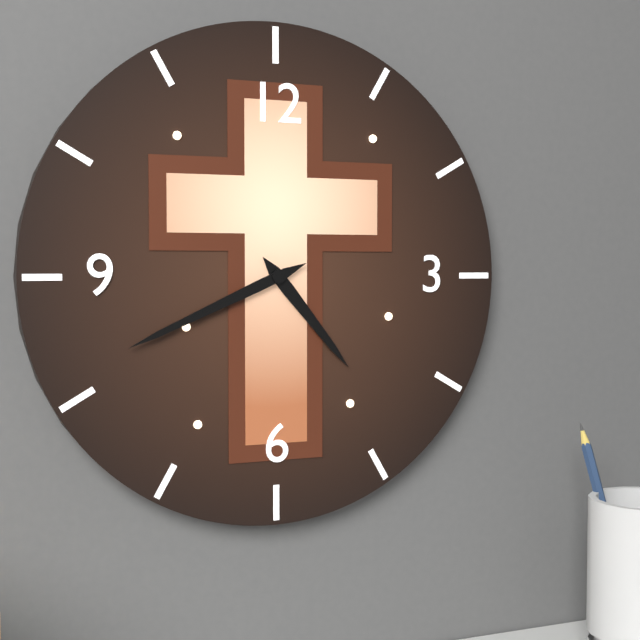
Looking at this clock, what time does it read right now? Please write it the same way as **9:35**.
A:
**4:41**
